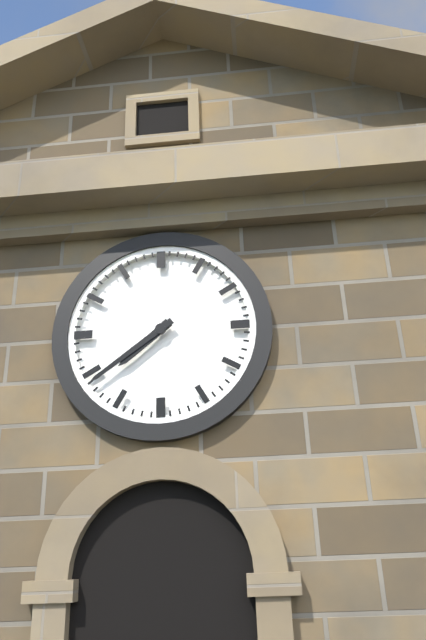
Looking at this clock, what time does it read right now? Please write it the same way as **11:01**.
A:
**7:39**
